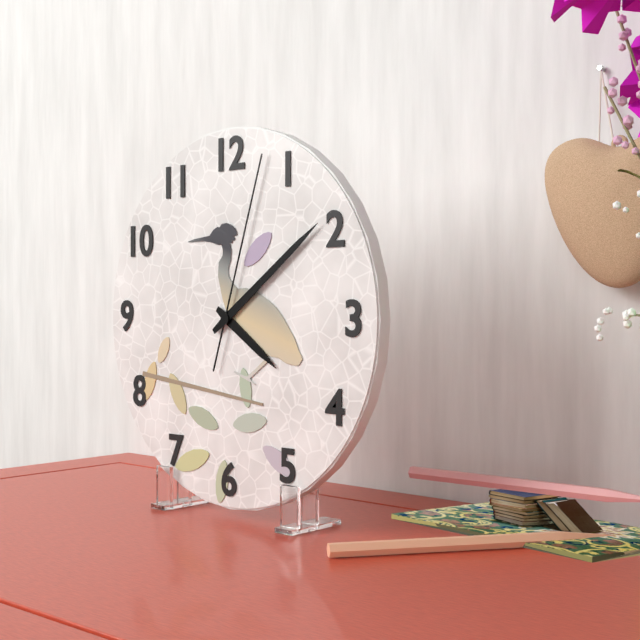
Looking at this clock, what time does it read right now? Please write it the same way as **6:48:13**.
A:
**4:09:03**
